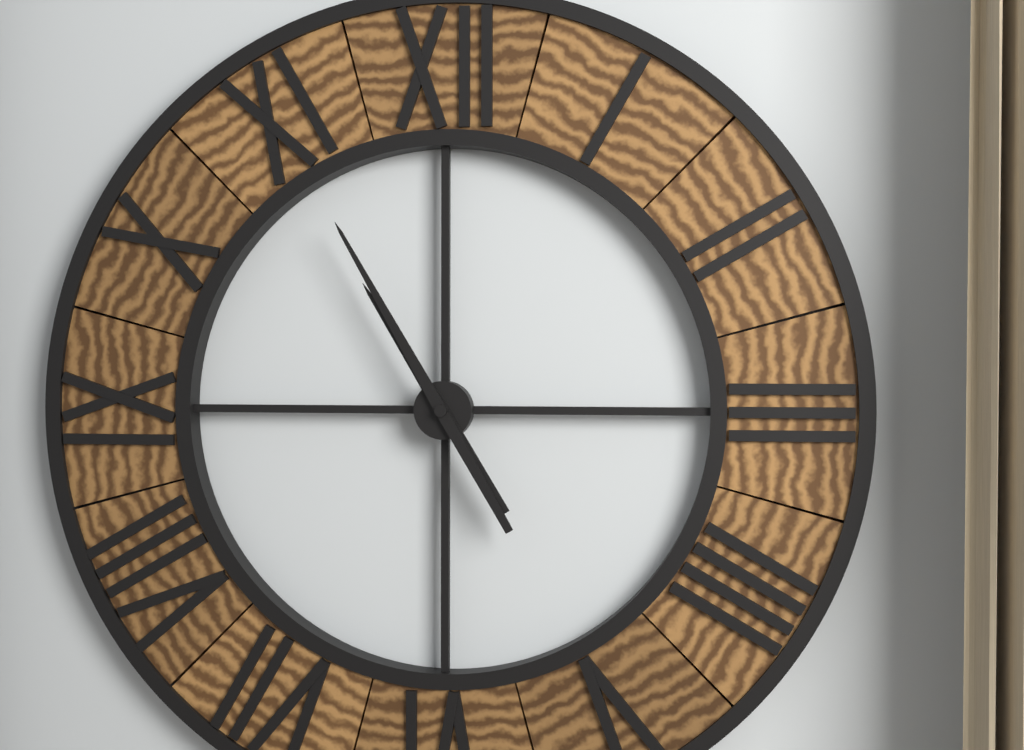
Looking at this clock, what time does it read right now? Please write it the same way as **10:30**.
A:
**10:55**
